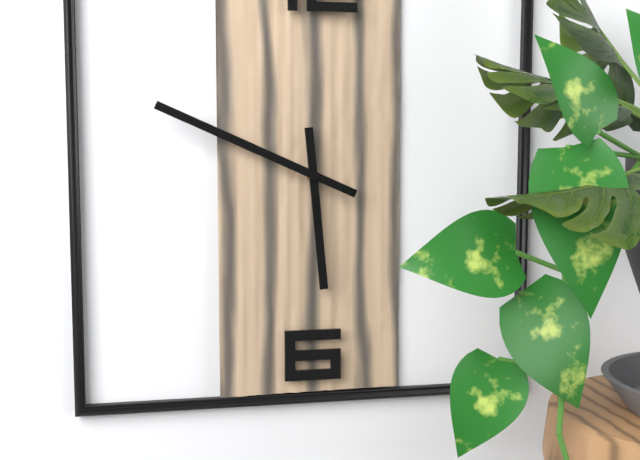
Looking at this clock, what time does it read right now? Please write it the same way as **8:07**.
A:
**5:49**
